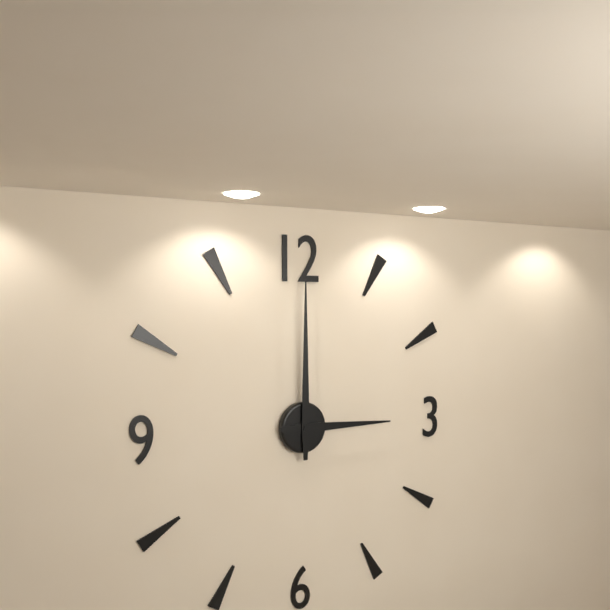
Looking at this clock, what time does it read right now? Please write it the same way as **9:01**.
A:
**3:00**
